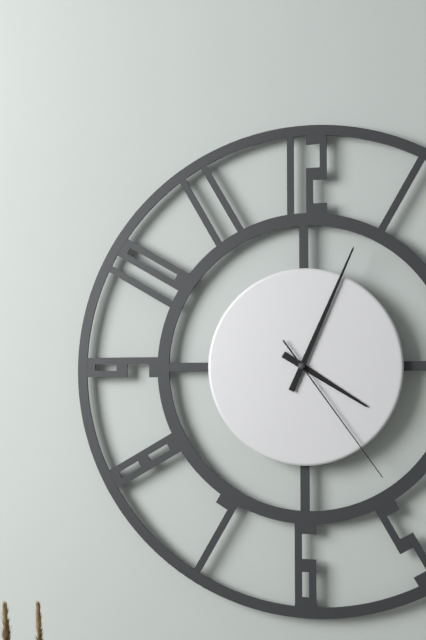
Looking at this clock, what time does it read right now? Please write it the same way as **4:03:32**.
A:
**4:04:24**
